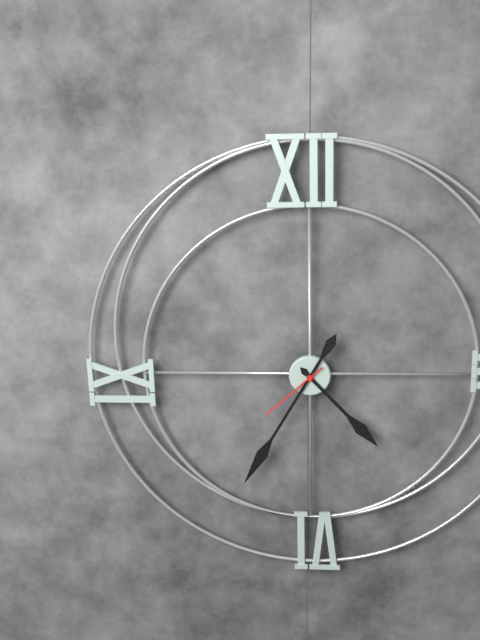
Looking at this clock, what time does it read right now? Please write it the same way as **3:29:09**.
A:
**4:35:38**
